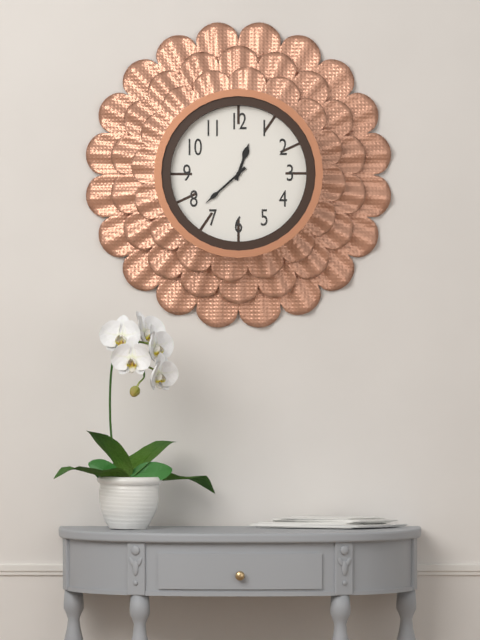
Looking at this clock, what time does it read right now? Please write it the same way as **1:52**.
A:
**12:38**
